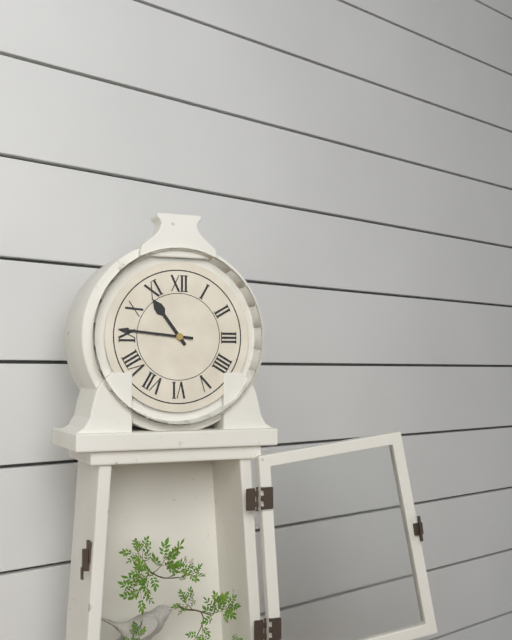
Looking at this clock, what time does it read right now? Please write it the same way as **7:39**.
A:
**10:46**
